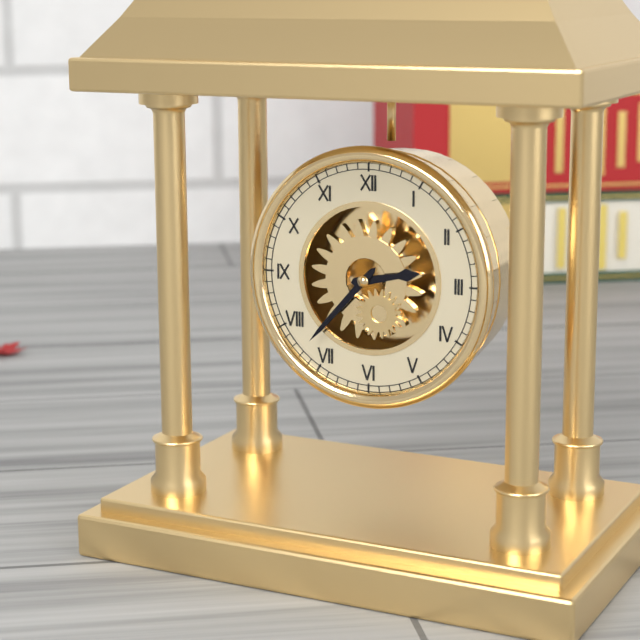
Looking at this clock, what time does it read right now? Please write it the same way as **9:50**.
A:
**2:37**
